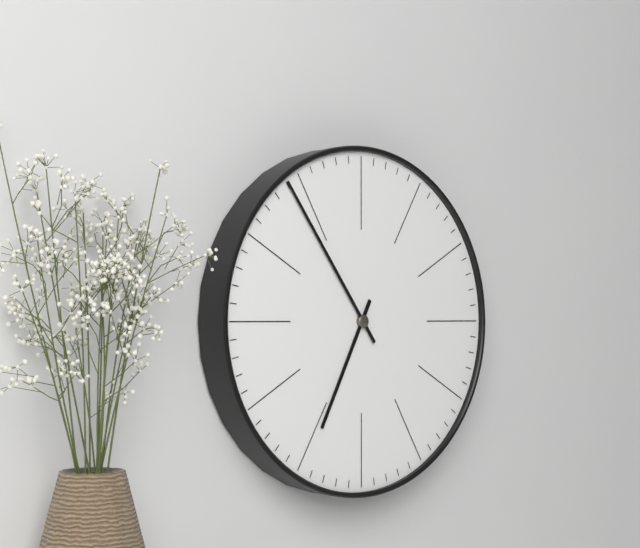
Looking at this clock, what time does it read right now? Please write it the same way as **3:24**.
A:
**6:54**
